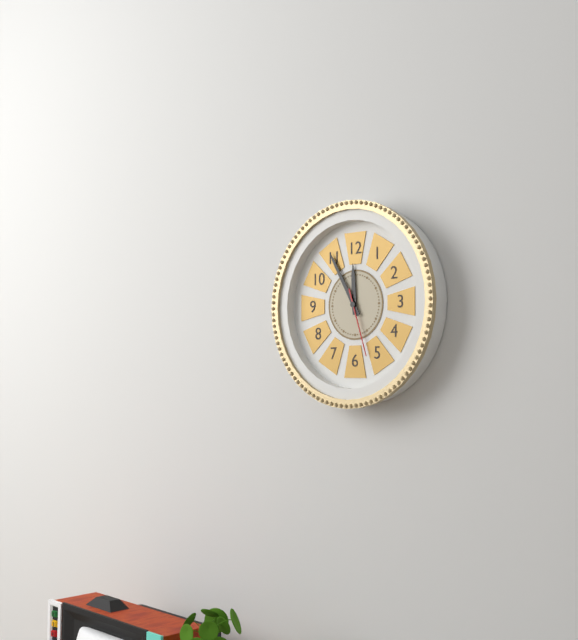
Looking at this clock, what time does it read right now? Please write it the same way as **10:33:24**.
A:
**11:55:27**
